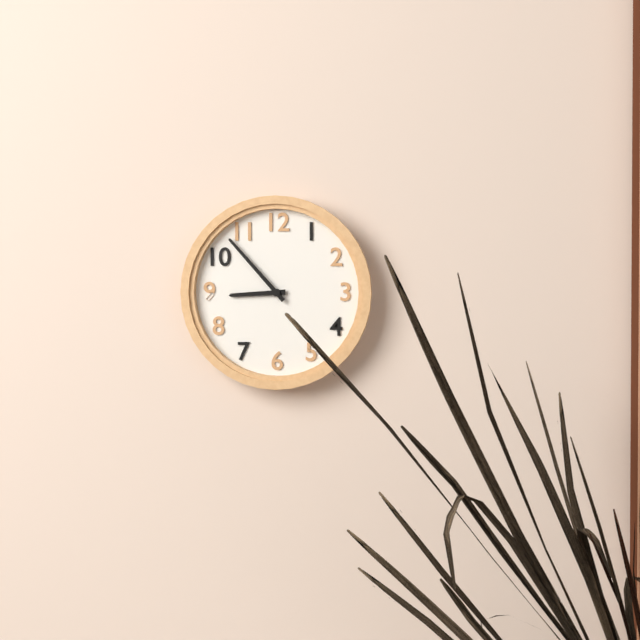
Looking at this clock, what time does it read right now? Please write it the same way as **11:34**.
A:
**8:53**
